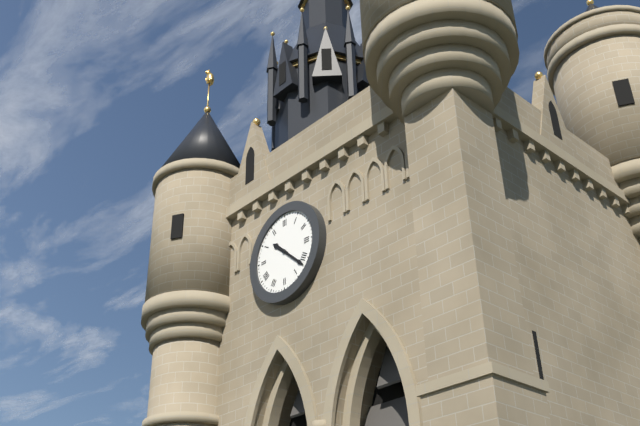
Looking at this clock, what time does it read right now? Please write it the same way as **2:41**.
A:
**10:22**
